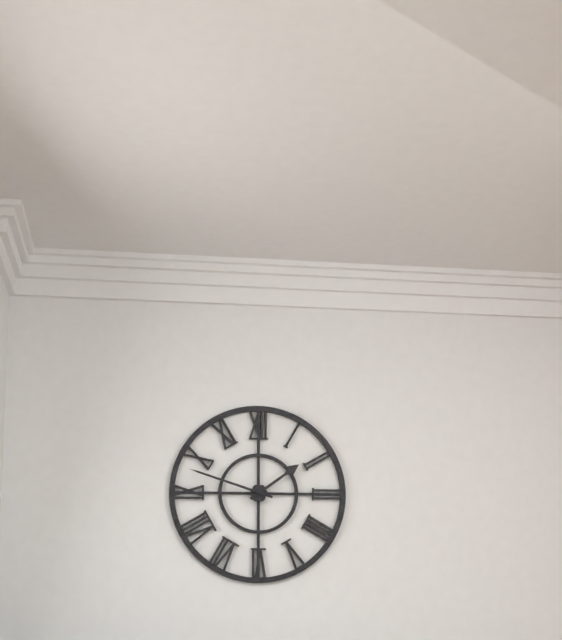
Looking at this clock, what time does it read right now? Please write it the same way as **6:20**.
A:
**1:48**
